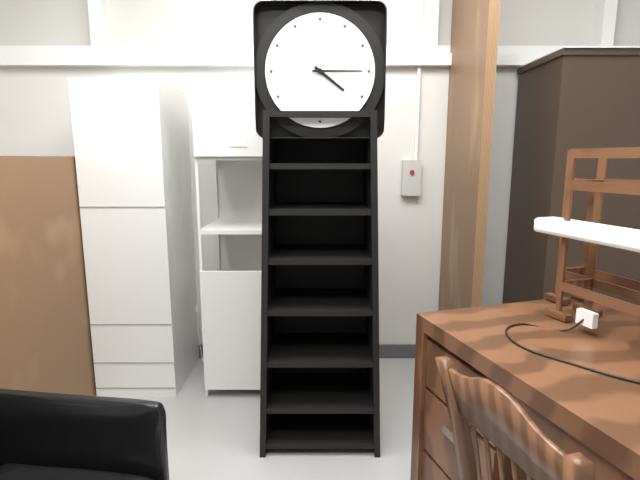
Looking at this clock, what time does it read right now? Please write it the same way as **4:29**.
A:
**4:15**
